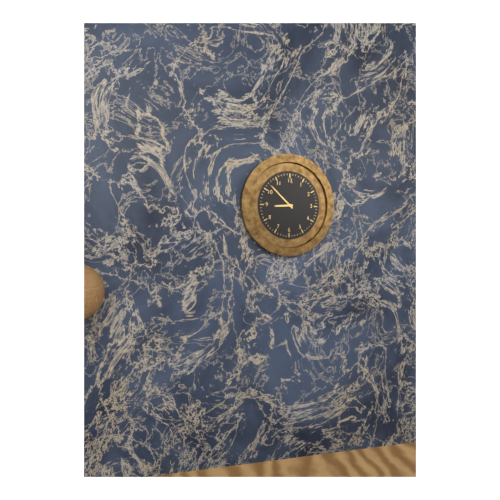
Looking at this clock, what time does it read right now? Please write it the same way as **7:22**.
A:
**8:52**
